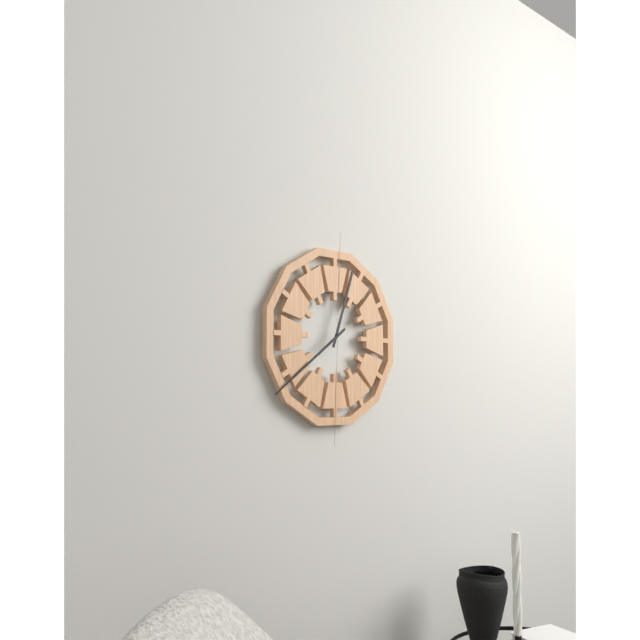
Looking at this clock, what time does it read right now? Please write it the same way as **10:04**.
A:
**12:39**
